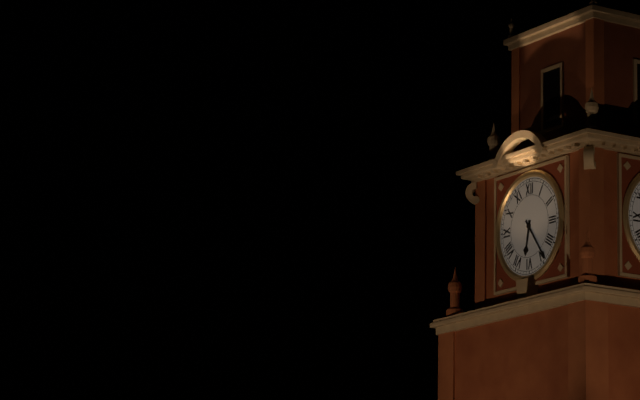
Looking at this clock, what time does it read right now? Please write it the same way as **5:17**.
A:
**6:24**
